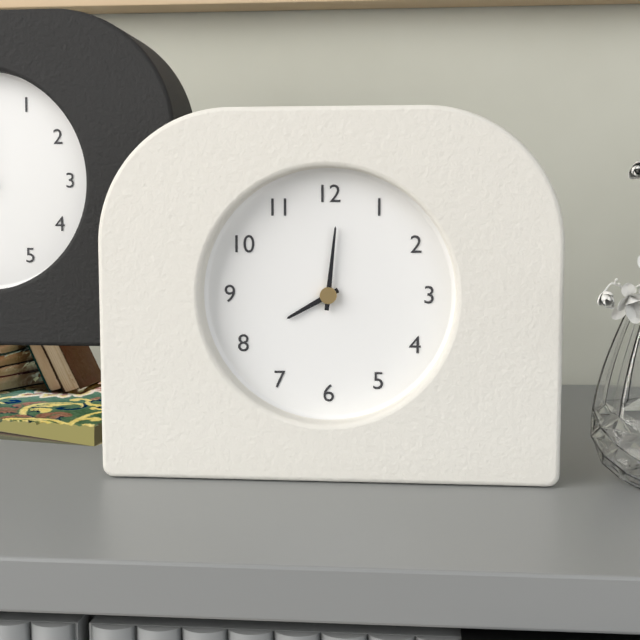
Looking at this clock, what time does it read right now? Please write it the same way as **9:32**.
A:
**8:01**
